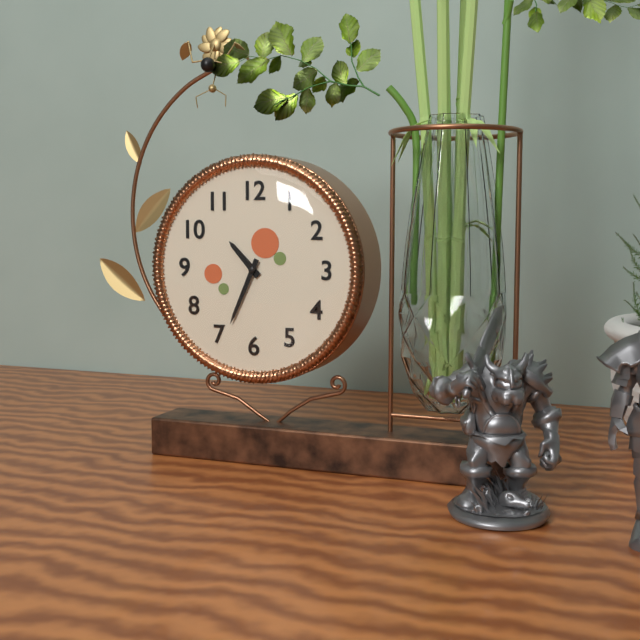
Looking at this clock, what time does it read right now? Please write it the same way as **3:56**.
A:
**10:34**
